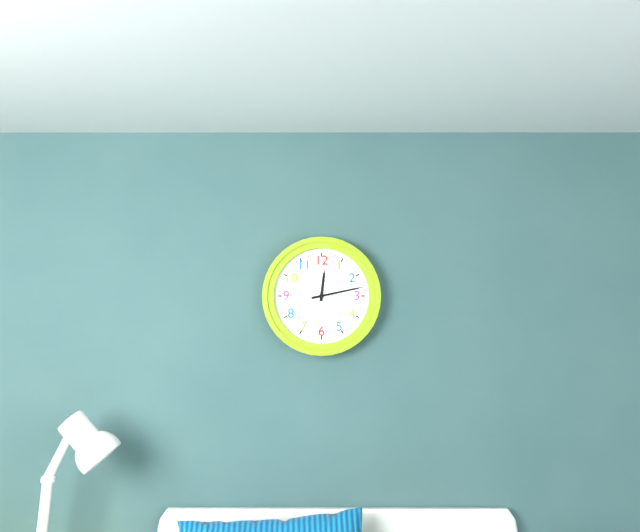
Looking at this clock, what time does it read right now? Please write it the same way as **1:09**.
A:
**12:13**
